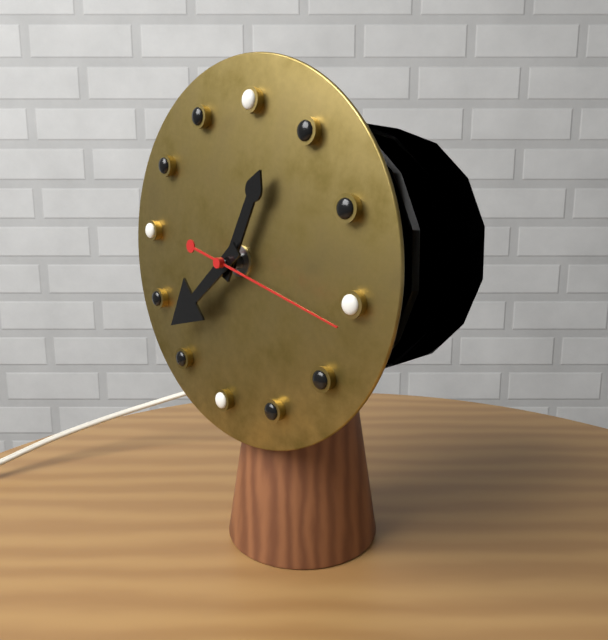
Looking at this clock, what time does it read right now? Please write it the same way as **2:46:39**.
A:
**12:37:16**
